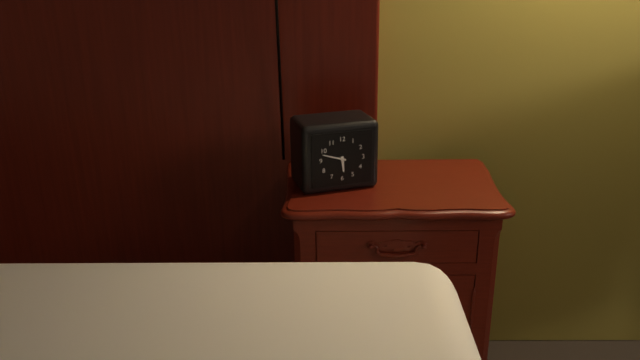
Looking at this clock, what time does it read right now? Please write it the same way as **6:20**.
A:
**5:48**
